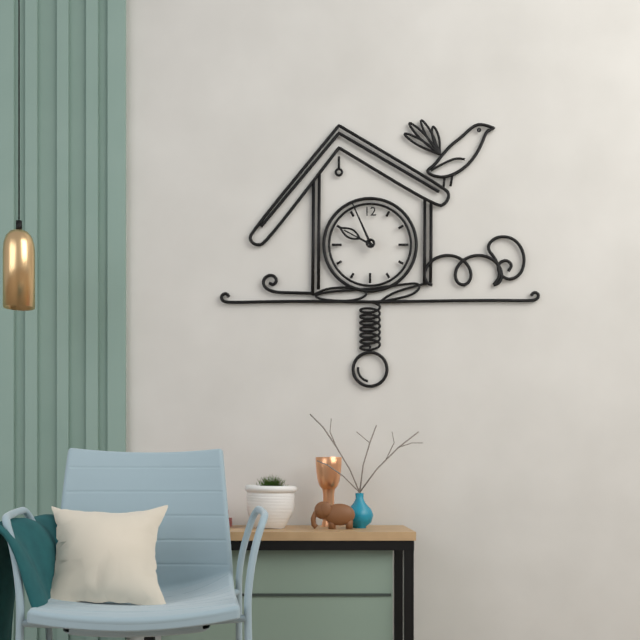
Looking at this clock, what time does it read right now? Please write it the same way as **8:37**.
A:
**9:56**
